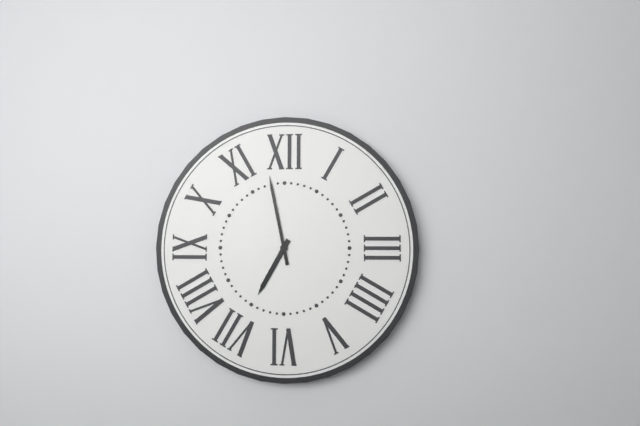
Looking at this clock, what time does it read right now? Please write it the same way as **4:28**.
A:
**6:58**
